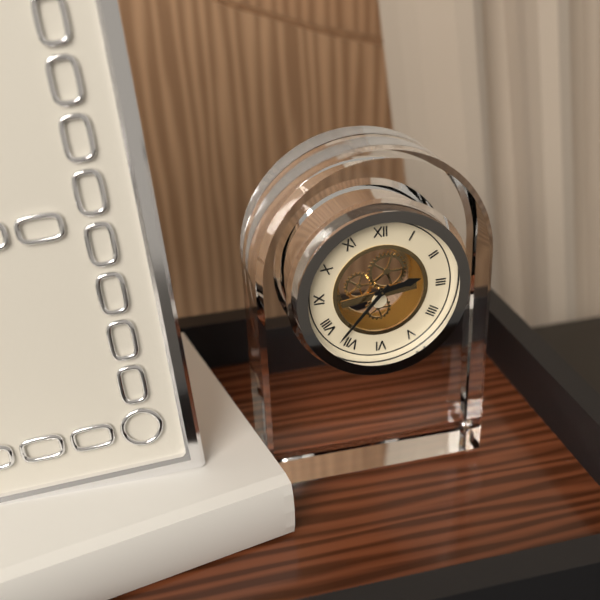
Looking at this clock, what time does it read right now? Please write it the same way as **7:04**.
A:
**2:37**
